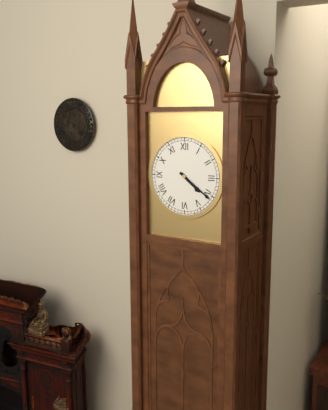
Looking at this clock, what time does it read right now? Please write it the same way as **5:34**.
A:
**4:21**
